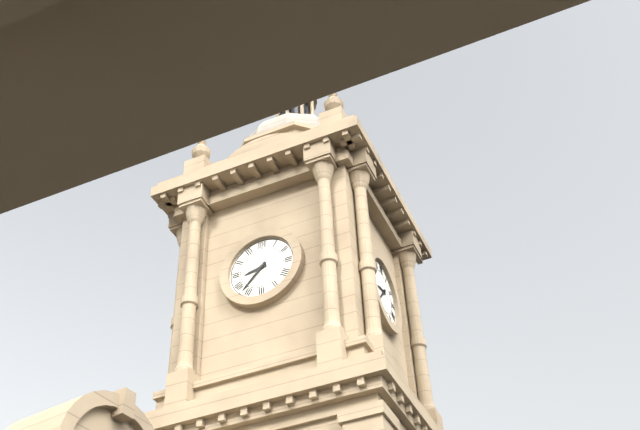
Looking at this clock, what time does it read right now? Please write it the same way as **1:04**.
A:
**8:37**
